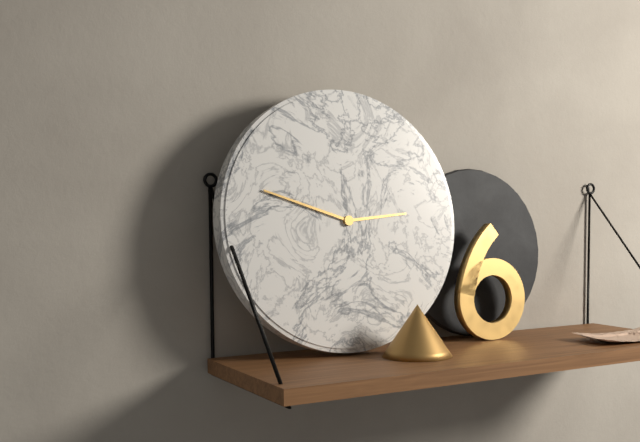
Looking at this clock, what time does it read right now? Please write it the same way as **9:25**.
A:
**2:48**
